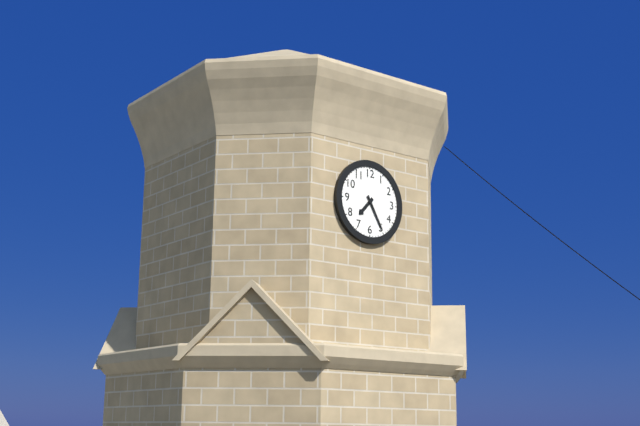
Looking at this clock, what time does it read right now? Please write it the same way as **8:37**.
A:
**7:25**
